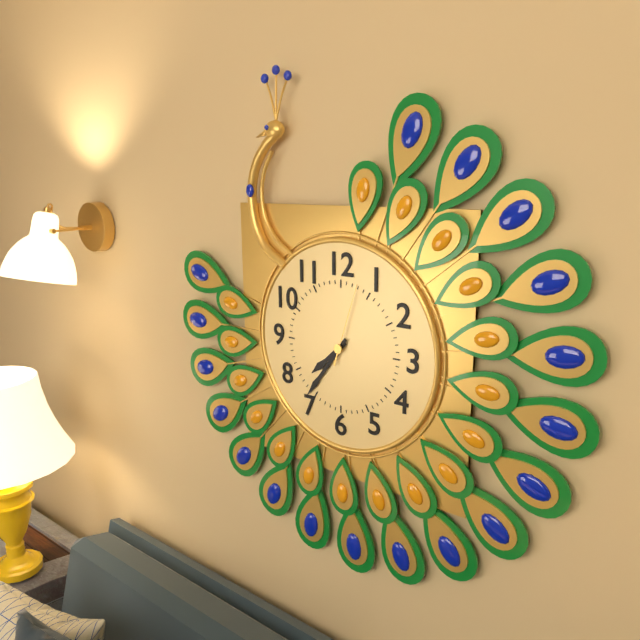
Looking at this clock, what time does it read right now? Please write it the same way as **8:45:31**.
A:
**7:36:03**
